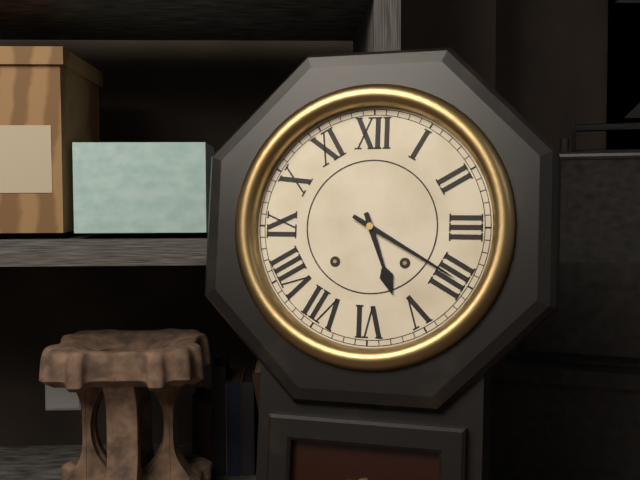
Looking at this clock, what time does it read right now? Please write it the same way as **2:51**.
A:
**5:20**
